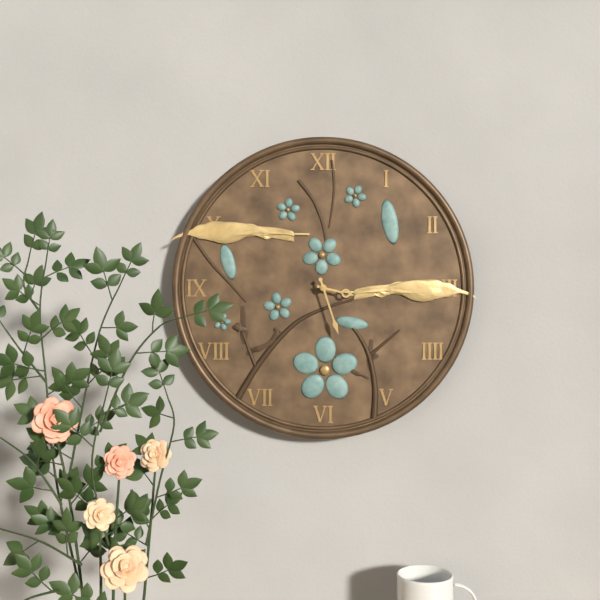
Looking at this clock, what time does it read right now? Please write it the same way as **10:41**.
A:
**3:27**
